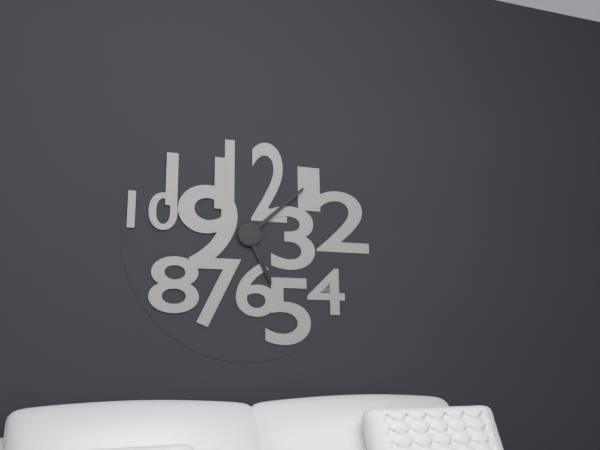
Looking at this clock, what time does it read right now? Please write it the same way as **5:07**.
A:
**5:08**
